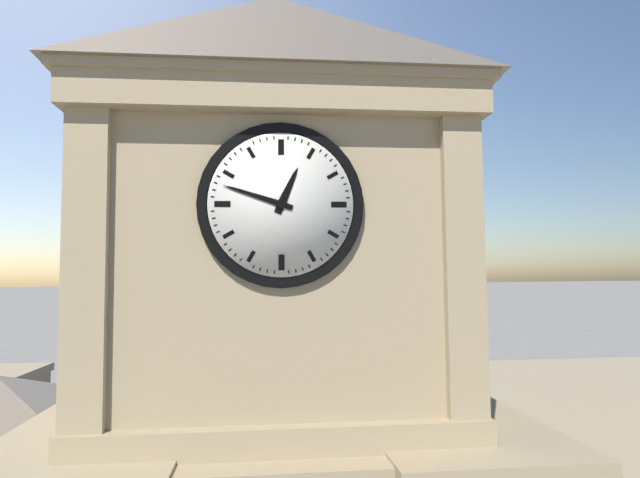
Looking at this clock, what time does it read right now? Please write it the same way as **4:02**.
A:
**12:48**
